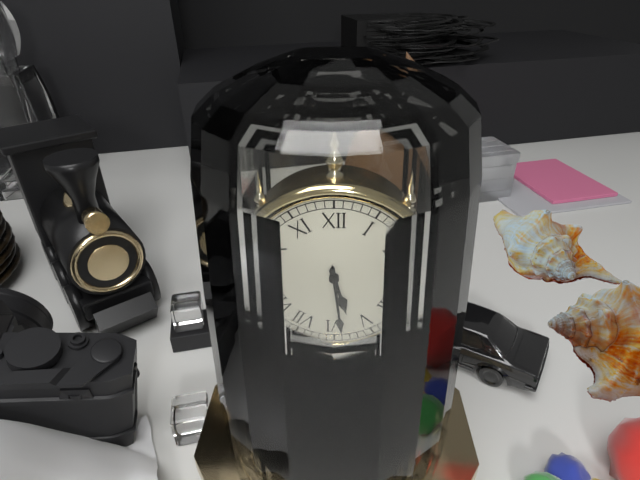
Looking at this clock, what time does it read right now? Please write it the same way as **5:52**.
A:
**5:29**
